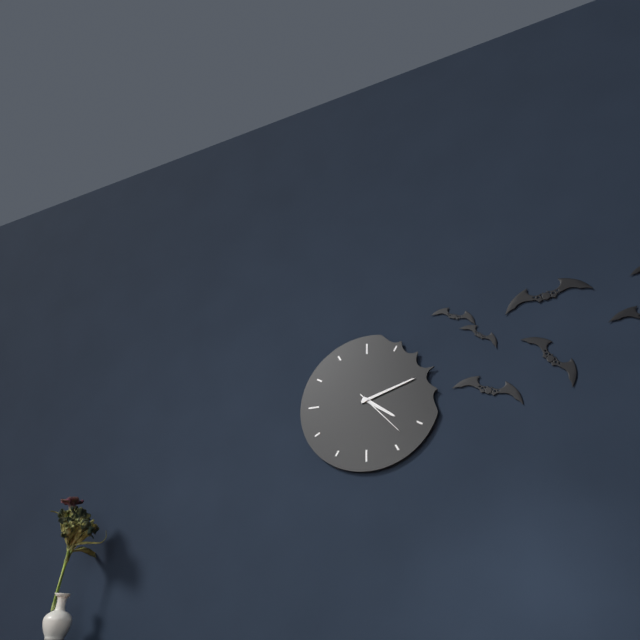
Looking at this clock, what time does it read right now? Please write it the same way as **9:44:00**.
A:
**4:12:23**
